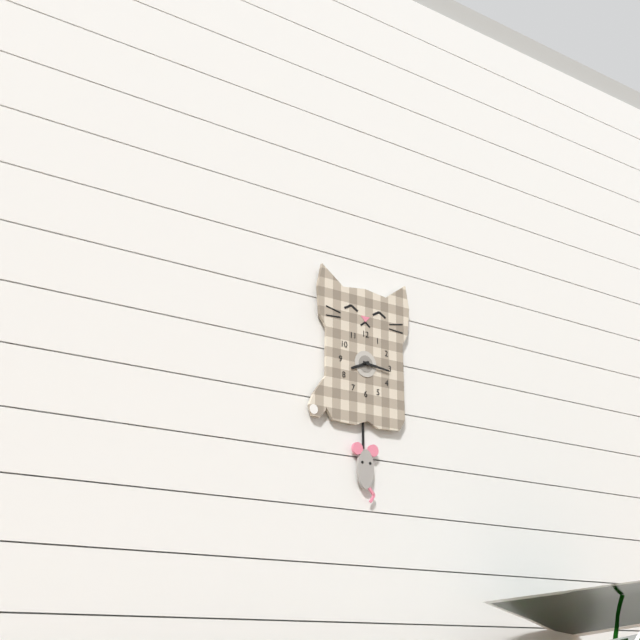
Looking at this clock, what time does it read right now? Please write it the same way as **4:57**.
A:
**8:16**
